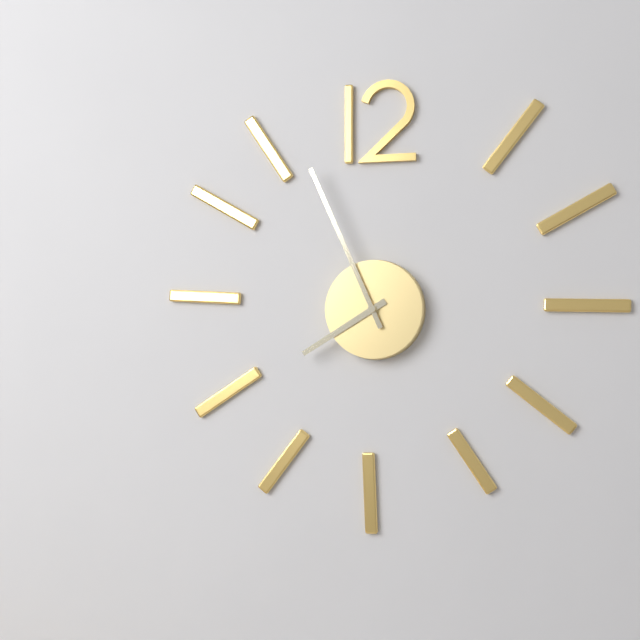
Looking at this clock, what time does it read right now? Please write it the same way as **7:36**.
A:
**7:56**
